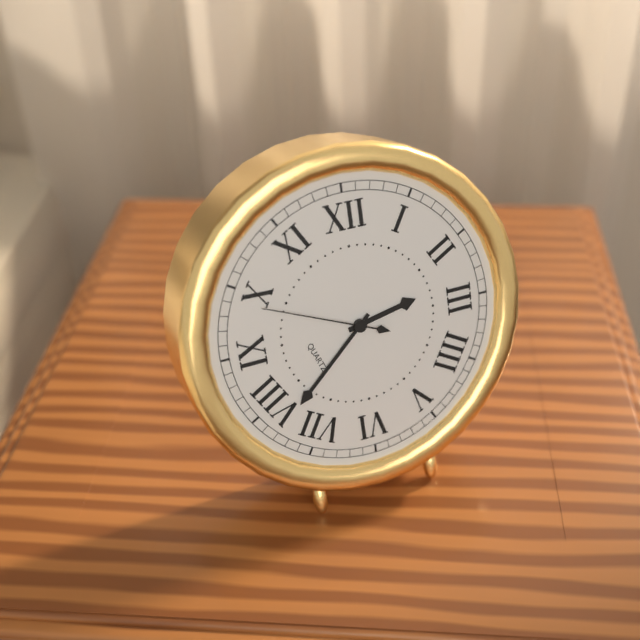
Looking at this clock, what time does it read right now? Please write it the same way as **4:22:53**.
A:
**2:38:49**
